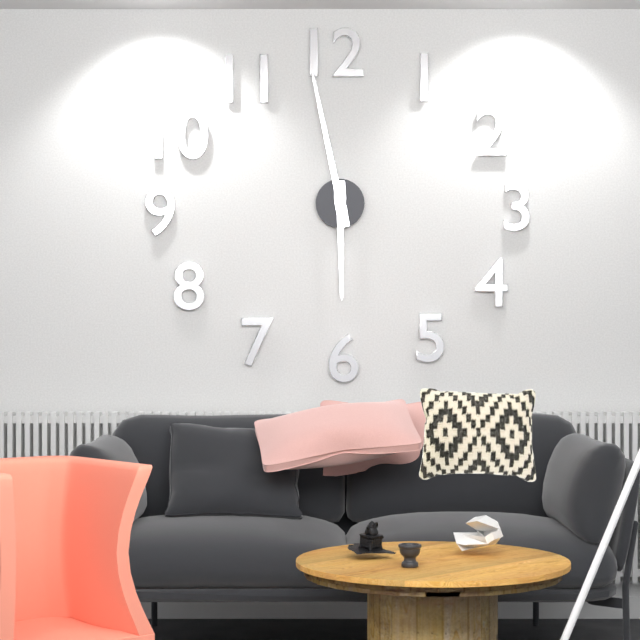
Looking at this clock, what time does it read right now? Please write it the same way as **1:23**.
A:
**5:58**
